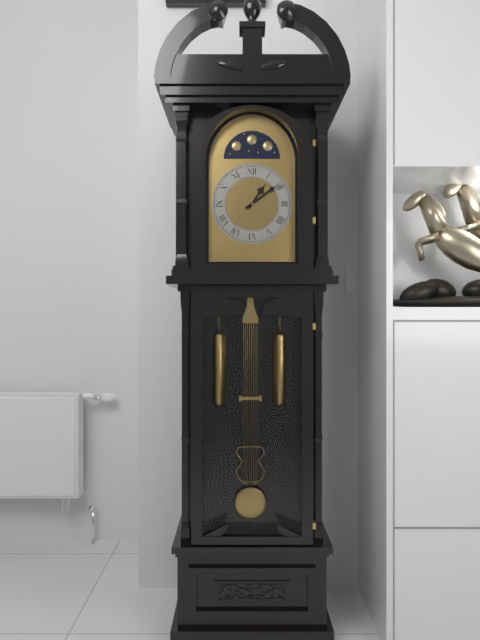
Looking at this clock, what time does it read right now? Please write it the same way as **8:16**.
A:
**1:09**
